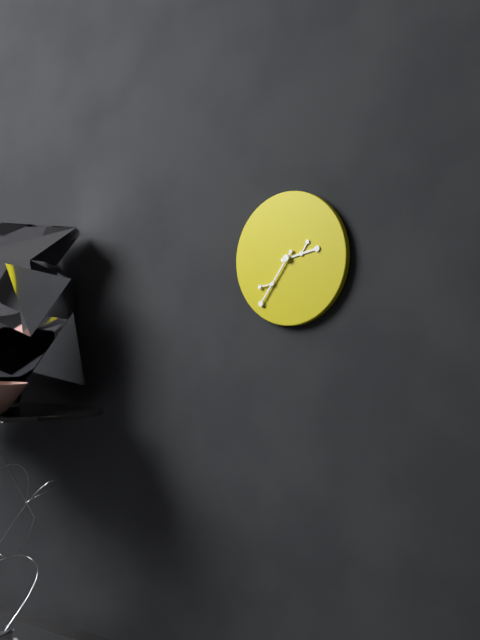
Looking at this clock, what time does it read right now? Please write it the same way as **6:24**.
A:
**2:36**
